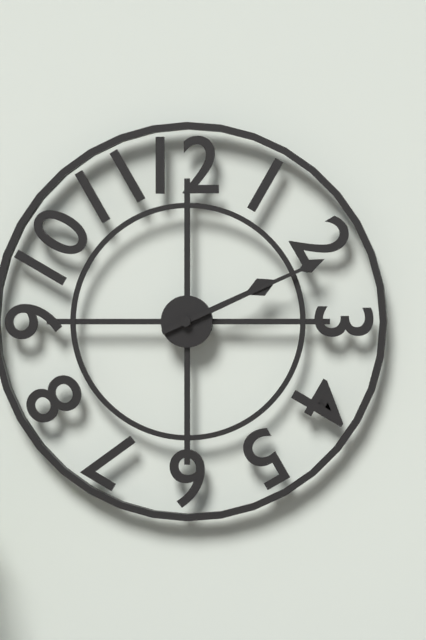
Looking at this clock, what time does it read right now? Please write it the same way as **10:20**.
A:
**2:11**
